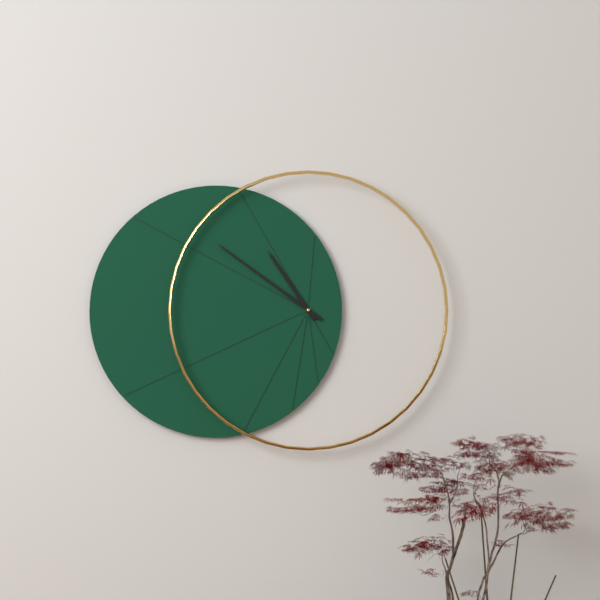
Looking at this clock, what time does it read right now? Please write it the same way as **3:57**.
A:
**10:51**
